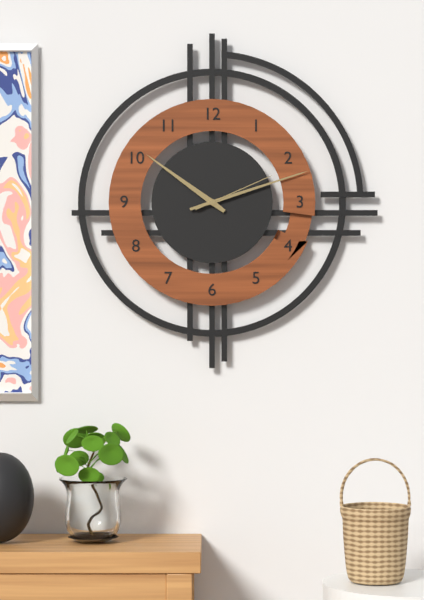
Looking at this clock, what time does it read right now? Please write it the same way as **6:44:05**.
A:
**10:12:11**
